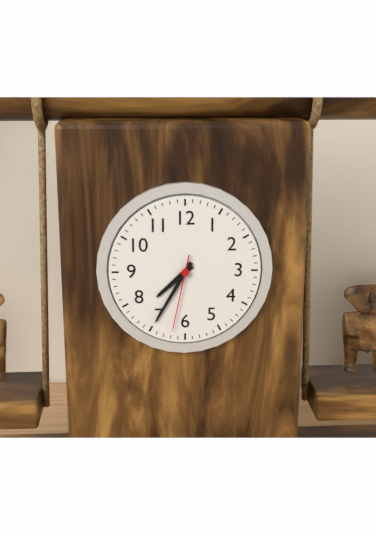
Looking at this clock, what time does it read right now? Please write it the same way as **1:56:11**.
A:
**7:35:32**
